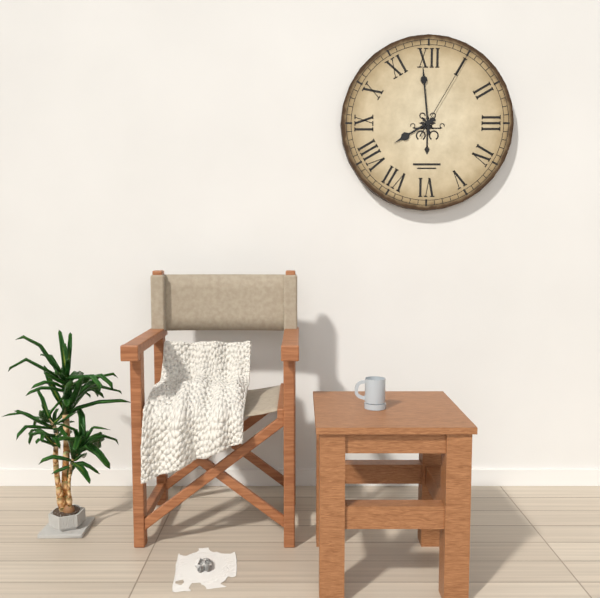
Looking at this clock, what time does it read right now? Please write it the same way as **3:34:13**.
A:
**7:59:05**
